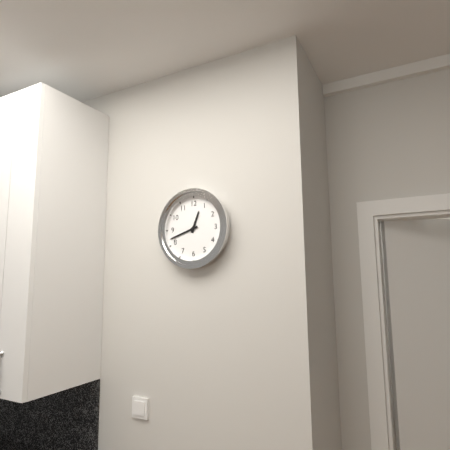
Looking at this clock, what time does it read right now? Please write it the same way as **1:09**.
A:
**12:42**
